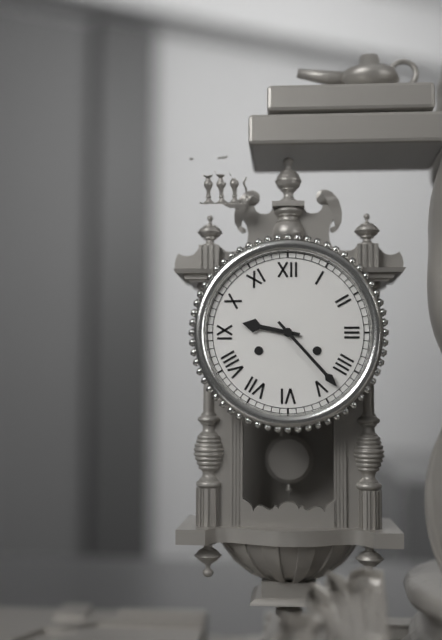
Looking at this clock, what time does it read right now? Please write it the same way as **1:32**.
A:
**9:23**
